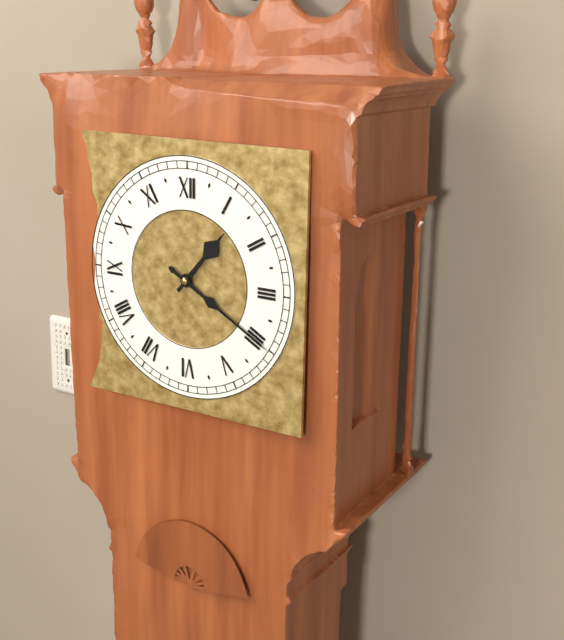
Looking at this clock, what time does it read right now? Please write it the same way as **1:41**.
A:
**1:20**
